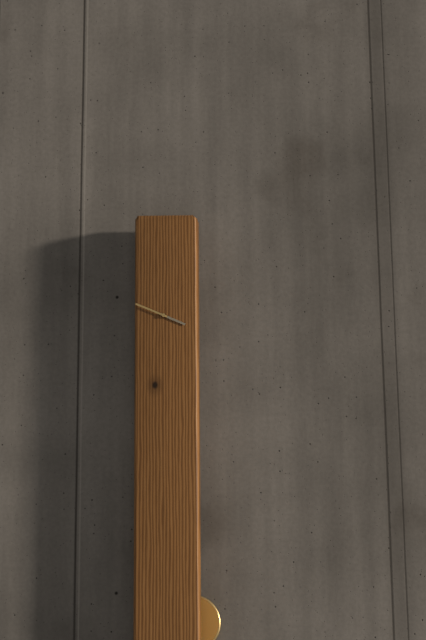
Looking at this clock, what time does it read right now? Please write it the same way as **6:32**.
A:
**3:49**
